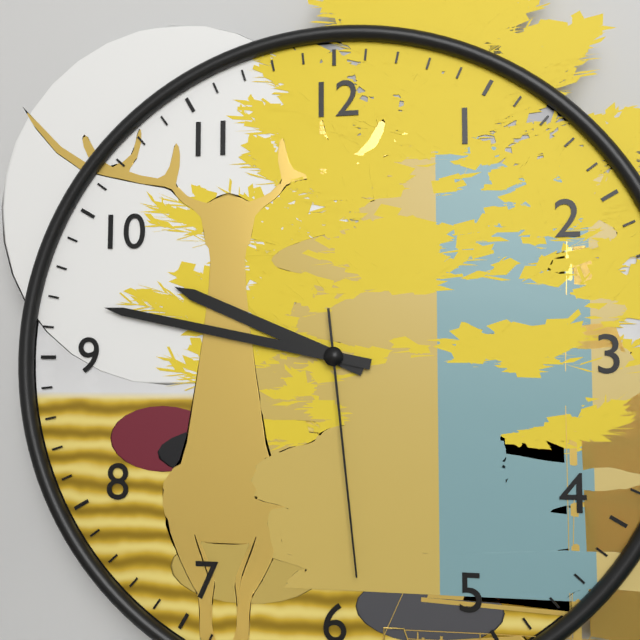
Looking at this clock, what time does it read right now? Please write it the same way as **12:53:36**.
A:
**9:47:29**
